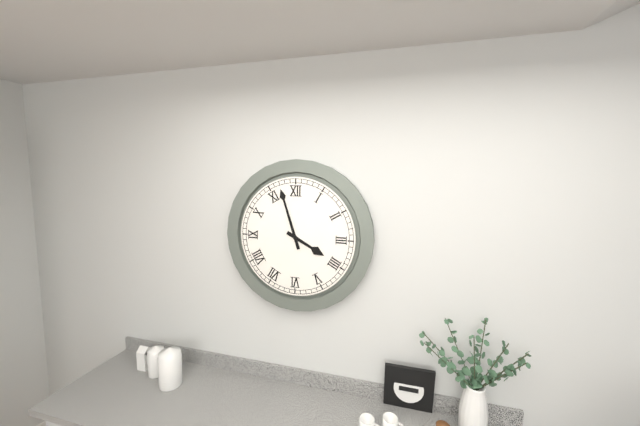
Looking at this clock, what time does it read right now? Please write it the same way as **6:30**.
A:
**3:57**
